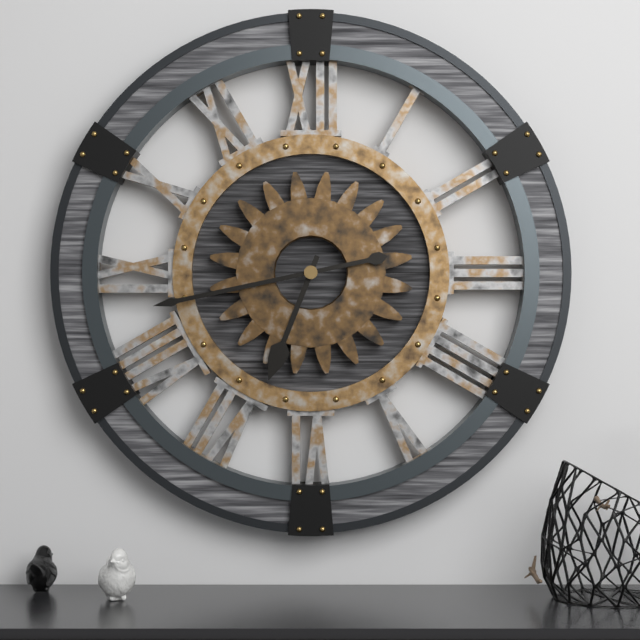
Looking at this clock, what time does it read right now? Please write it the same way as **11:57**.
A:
**6:43**
